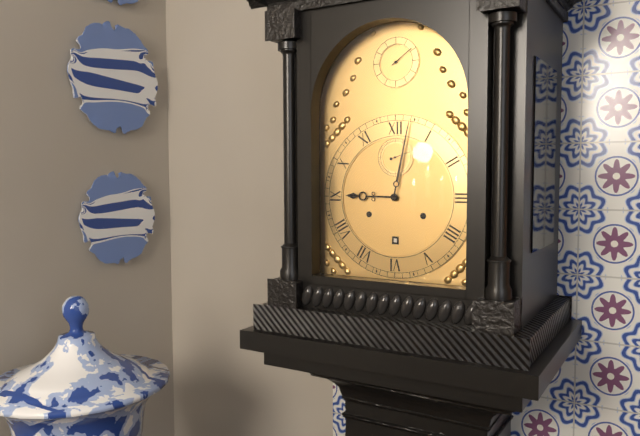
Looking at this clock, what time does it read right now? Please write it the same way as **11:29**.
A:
**9:02**
